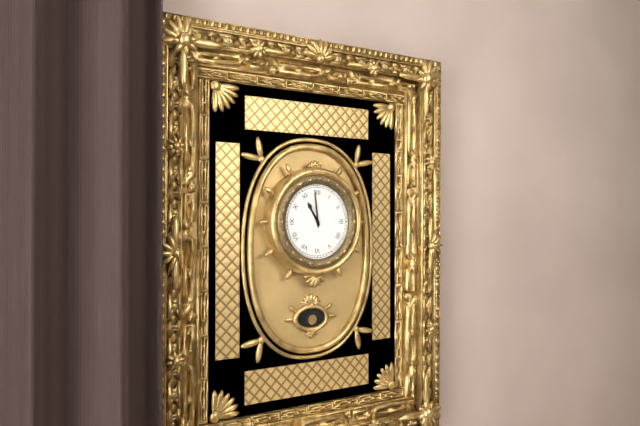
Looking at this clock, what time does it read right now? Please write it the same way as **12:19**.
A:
**10:59**
